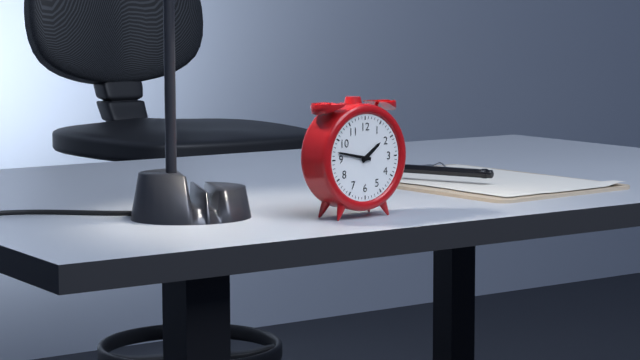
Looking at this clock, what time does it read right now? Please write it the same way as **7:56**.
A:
**1:47**
